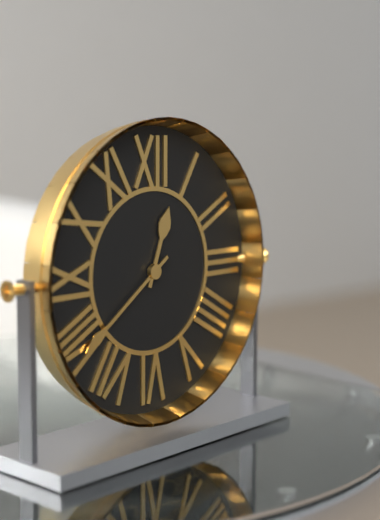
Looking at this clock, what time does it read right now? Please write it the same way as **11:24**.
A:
**12:39**
